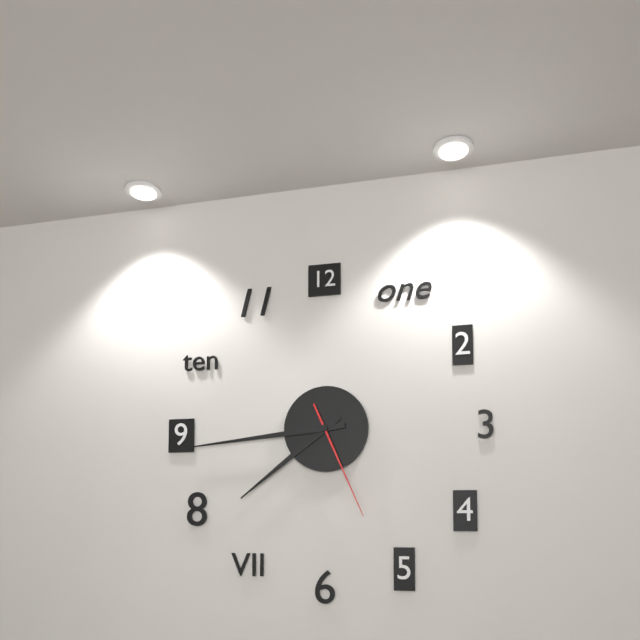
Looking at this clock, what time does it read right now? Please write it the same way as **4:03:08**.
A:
**7:44:26**
